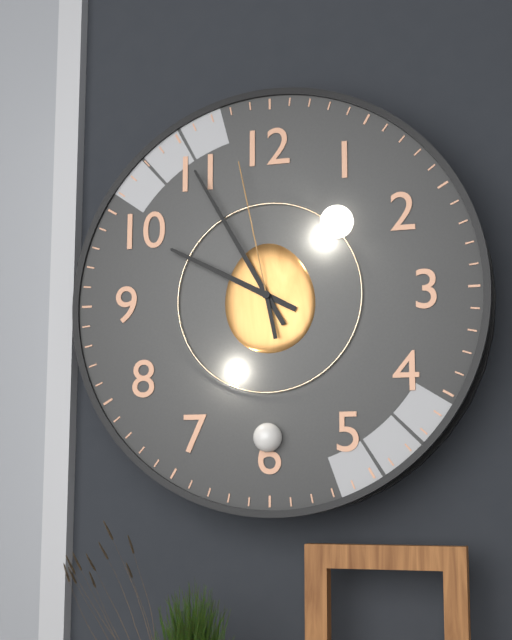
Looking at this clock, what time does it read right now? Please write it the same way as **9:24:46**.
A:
**9:55:58**
